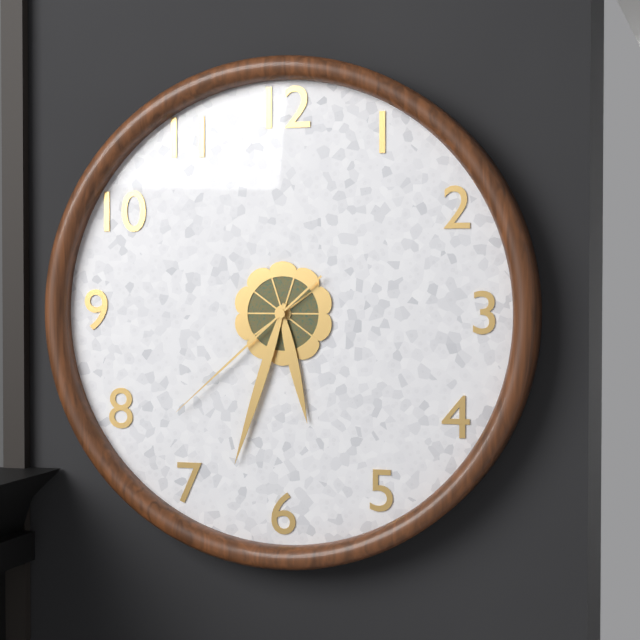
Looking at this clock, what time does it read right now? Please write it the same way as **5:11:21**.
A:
**5:33:38**
